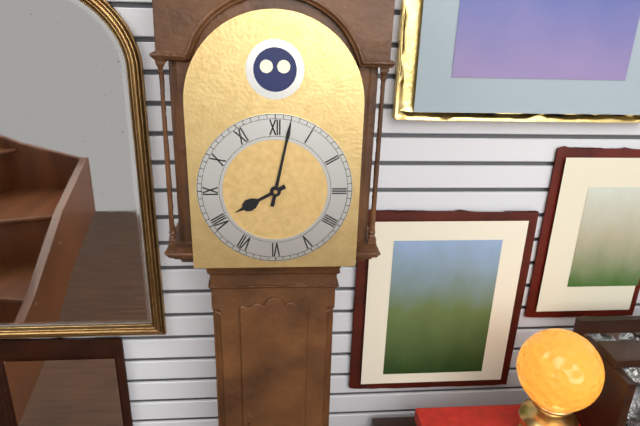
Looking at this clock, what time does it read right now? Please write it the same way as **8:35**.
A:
**8:02**
